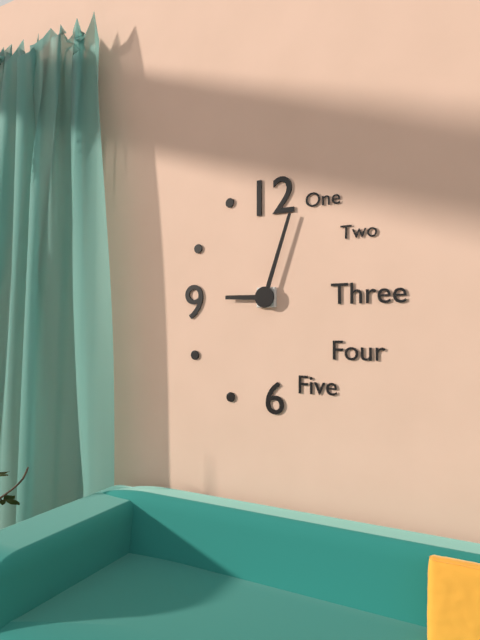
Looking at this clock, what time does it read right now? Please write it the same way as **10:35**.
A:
**9:03**
